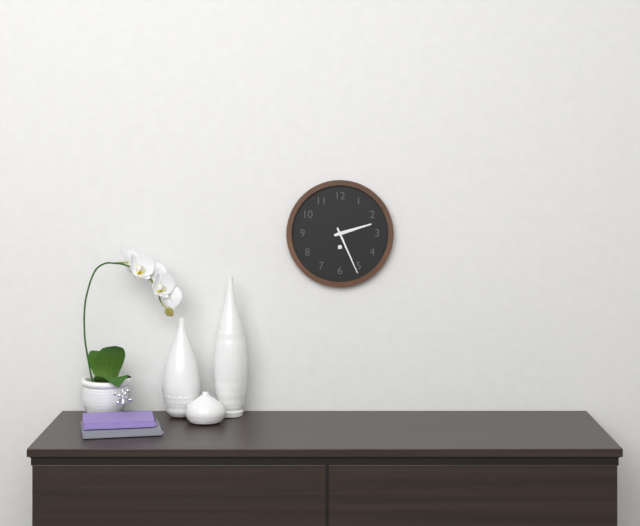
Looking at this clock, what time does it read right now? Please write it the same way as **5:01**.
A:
**2:26**
